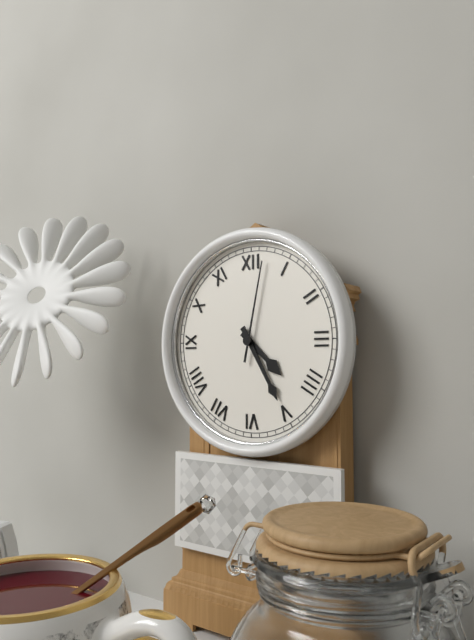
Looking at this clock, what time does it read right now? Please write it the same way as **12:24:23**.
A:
**4:25:02**
